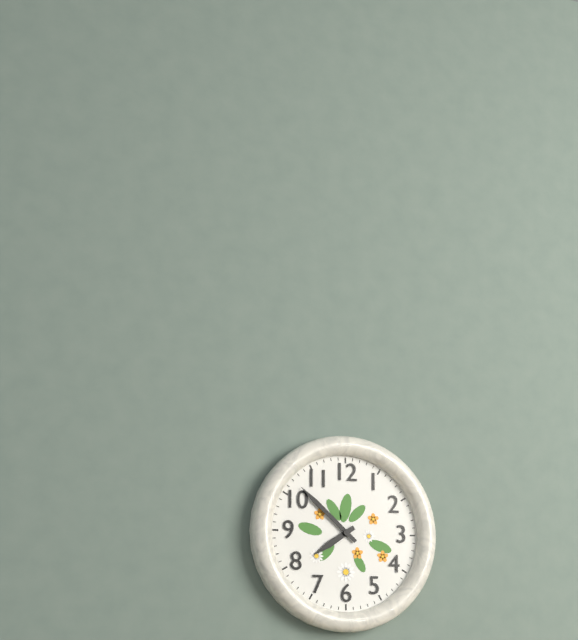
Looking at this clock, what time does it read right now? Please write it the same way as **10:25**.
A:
**7:52**
